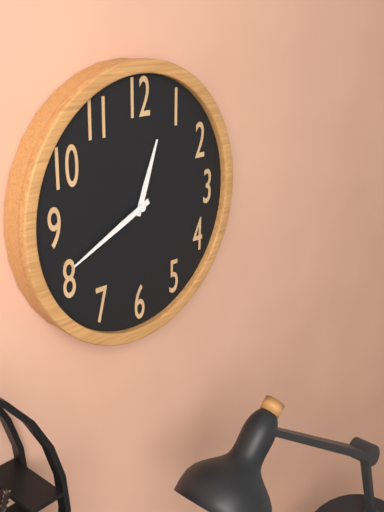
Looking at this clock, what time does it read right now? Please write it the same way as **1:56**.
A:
**12:41**
